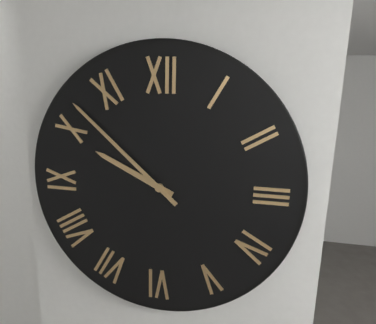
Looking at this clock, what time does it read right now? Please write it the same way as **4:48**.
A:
**9:52**
